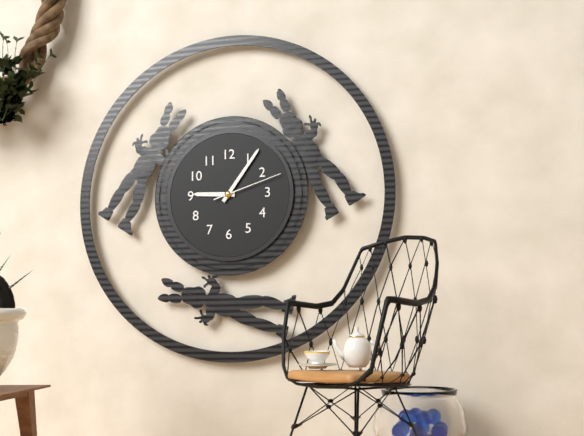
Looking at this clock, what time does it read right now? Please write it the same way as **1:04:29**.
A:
**9:06:12**
